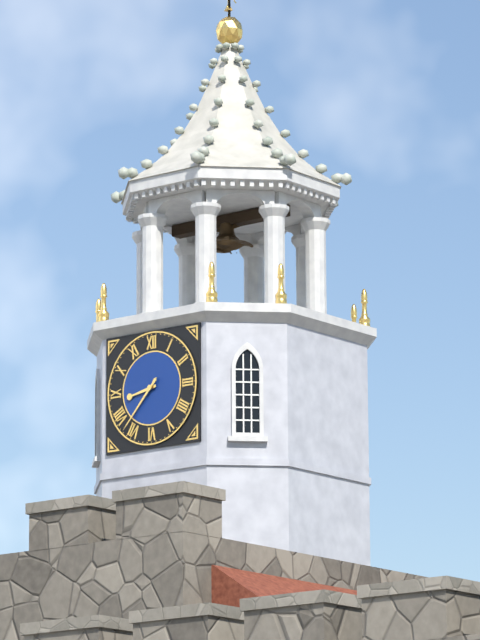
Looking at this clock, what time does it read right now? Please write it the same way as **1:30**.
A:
**8:37**
